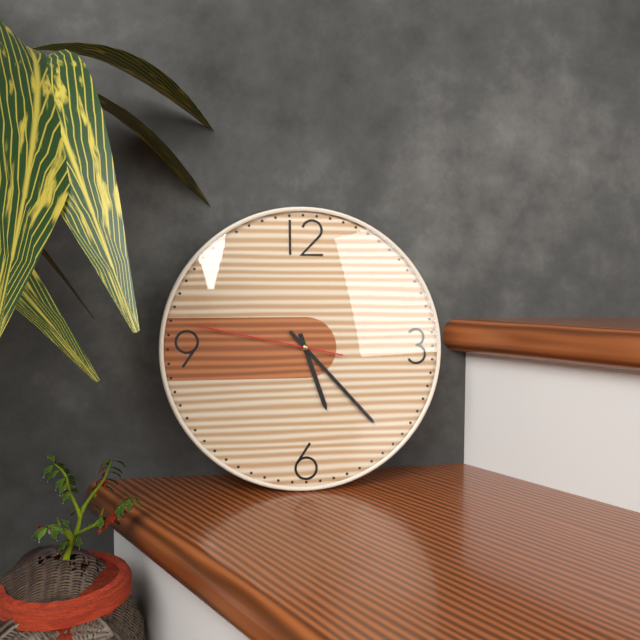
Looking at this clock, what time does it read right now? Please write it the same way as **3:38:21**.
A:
**5:23:47**
